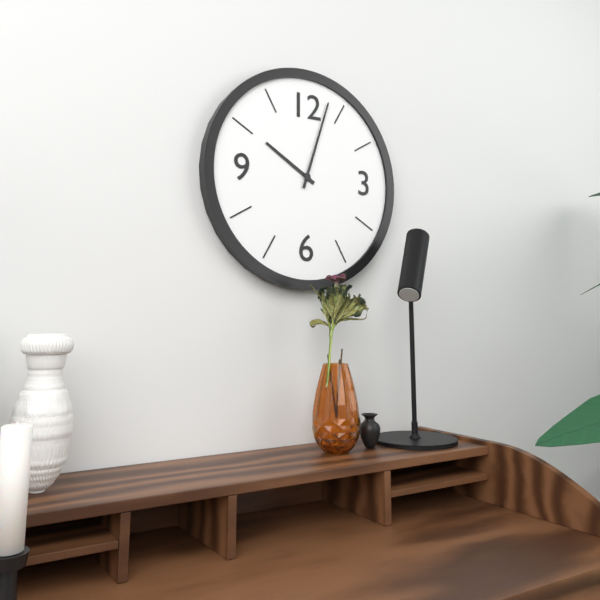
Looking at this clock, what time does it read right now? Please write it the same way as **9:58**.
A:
**10:03**
